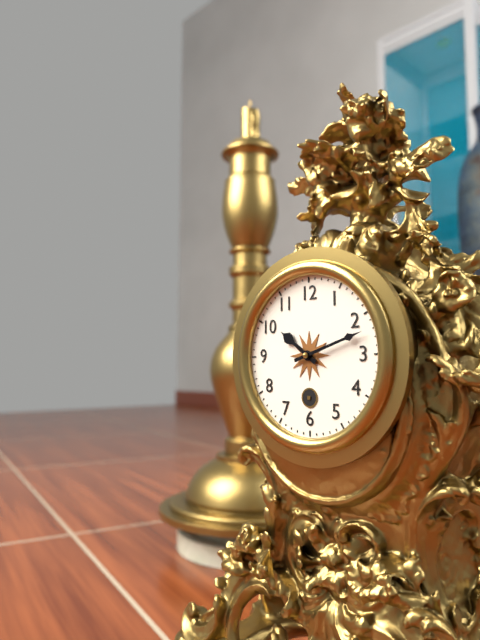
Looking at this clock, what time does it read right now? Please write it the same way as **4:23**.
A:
**10:12**
